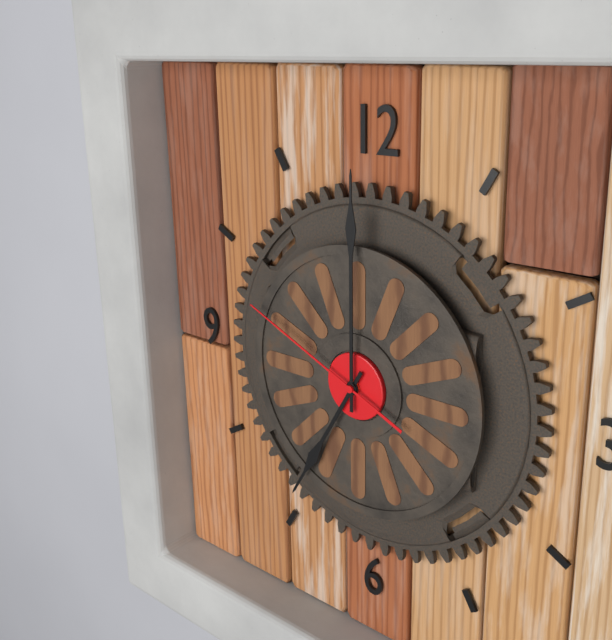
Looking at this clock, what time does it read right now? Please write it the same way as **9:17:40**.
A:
**7:00:49**
